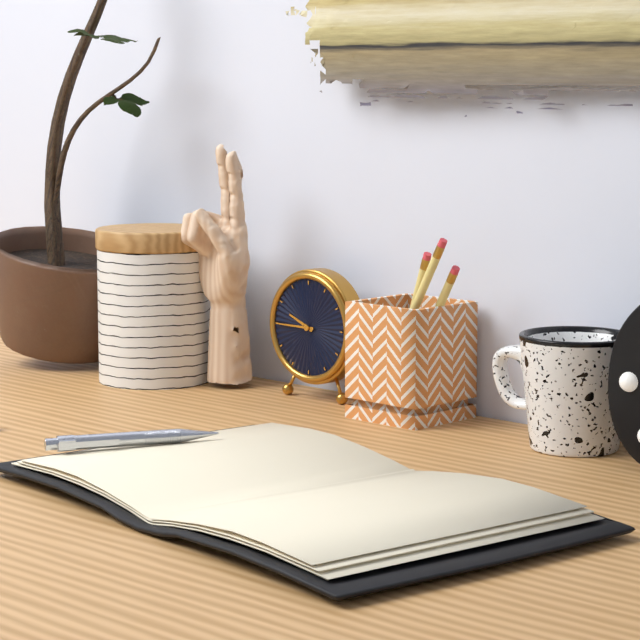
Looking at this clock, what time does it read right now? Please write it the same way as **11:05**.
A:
**9:45**
